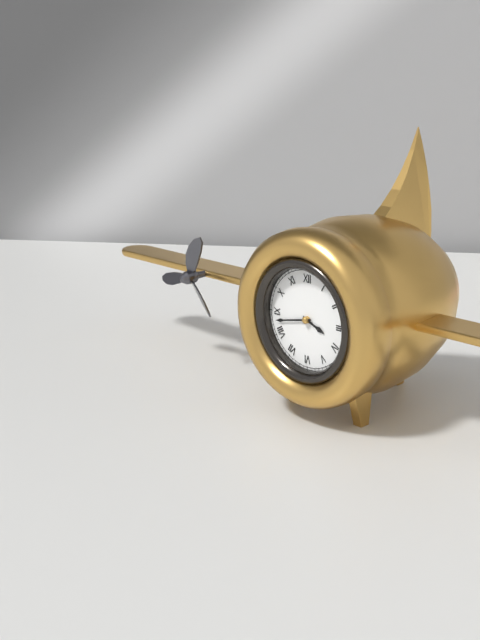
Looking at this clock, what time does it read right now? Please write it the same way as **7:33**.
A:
**3:43**
